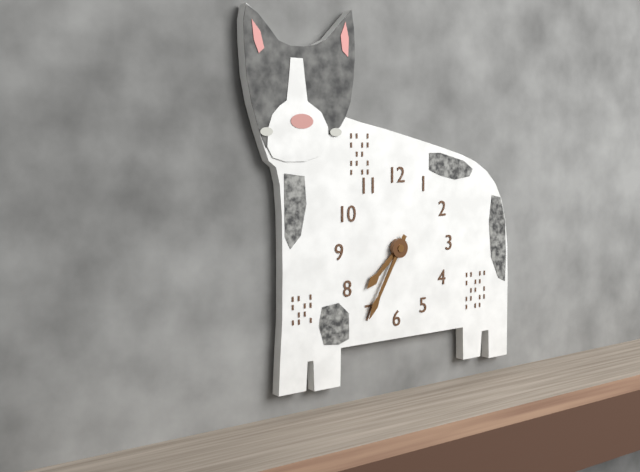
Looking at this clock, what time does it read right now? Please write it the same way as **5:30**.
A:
**7:35**
